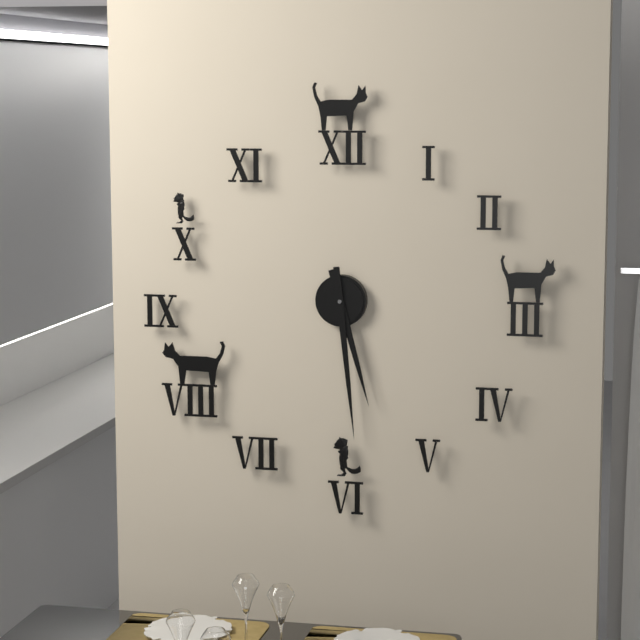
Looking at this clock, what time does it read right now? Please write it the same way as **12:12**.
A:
**5:29**
